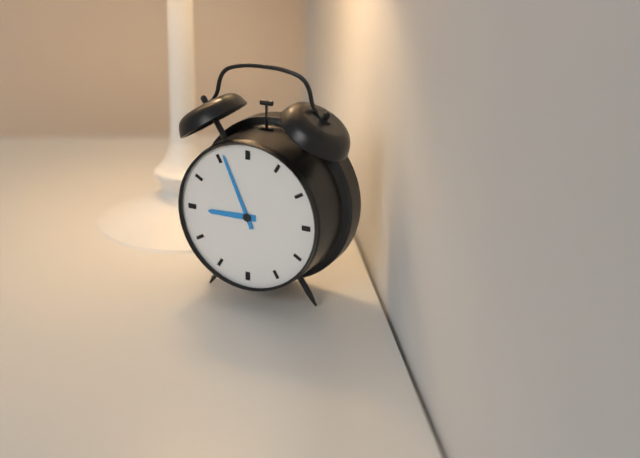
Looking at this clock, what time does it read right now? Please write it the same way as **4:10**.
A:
**8:56**
